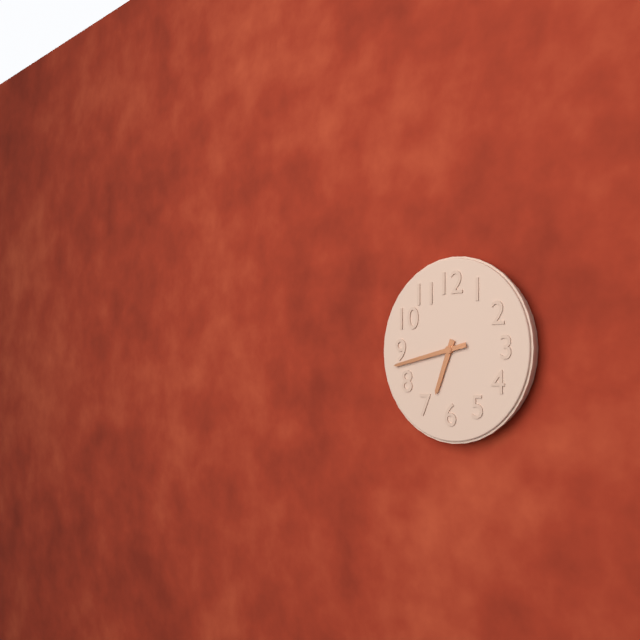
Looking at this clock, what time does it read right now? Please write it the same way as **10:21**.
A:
**6:43**
